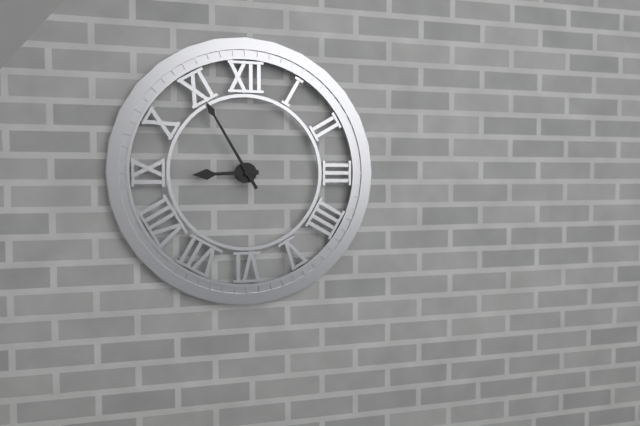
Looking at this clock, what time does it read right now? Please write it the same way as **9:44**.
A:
**8:55**
